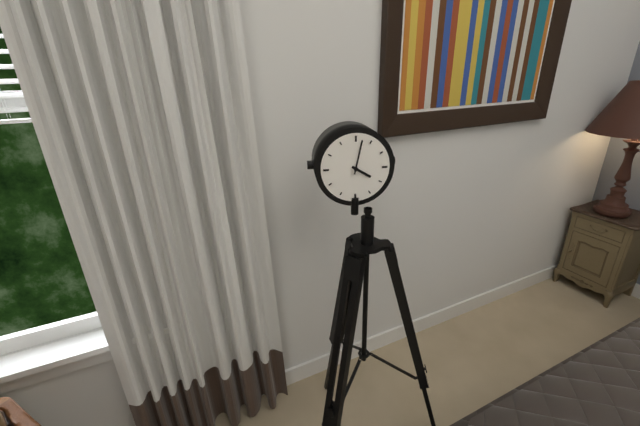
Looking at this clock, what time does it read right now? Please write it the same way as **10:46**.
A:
**4:02**
